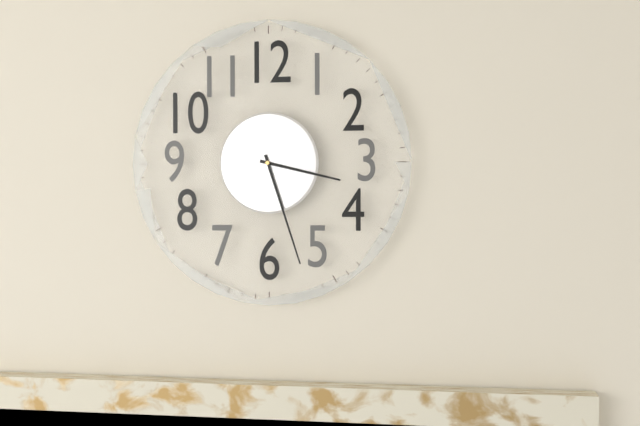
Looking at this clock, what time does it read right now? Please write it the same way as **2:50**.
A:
**3:27**
